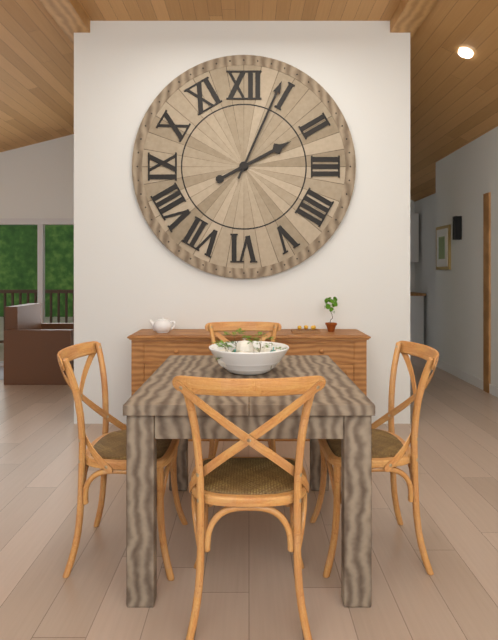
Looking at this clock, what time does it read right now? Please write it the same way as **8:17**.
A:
**2:04**
